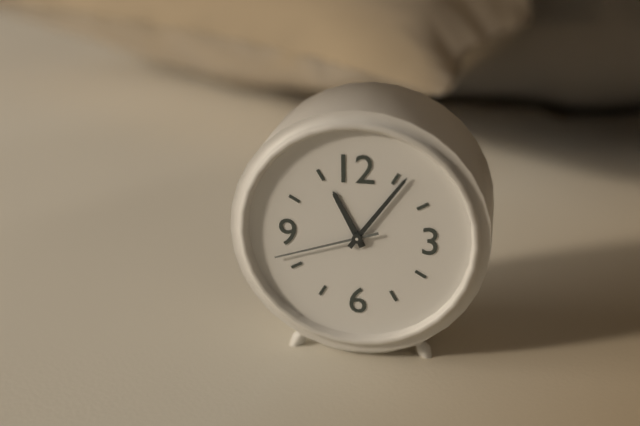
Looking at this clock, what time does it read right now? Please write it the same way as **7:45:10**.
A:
**11:06:42**
